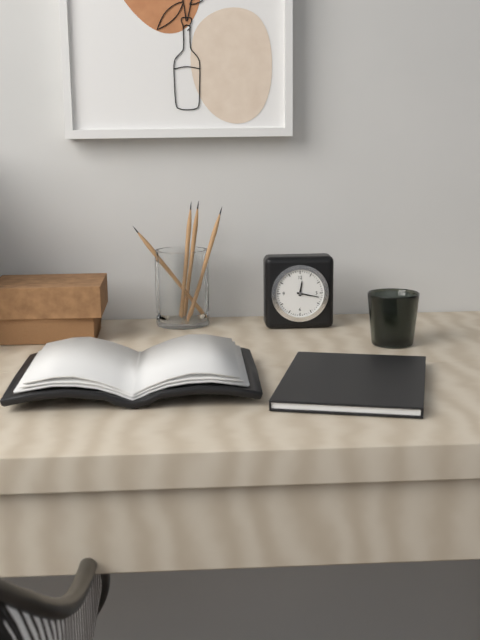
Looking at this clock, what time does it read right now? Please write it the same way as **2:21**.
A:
**12:17**
